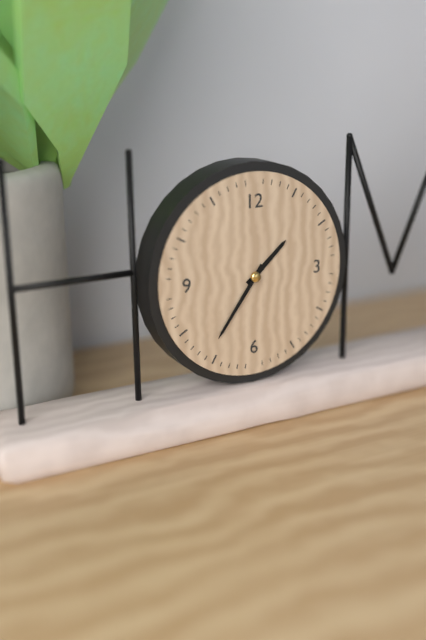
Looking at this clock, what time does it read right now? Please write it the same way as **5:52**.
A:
**1:36**
